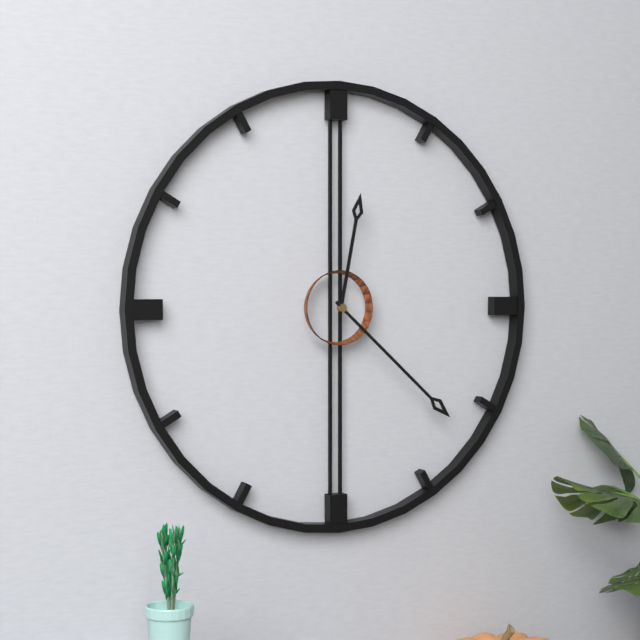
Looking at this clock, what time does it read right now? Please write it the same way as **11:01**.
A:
**12:22**
